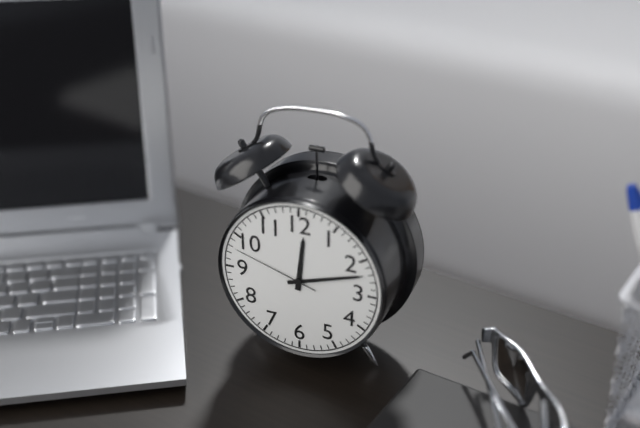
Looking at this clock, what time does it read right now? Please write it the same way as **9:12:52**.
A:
**12:12:48**
